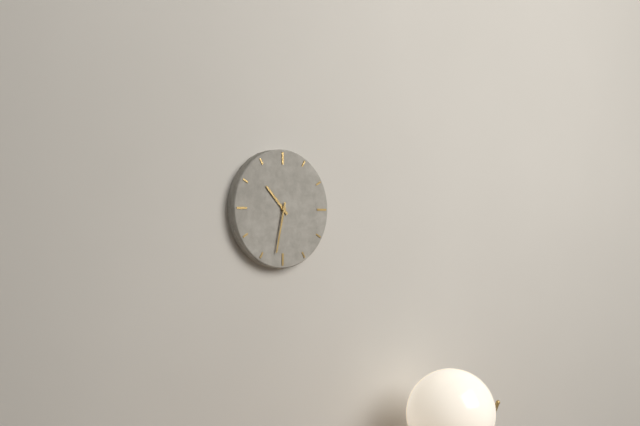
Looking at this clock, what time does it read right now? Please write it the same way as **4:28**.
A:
**10:32**
